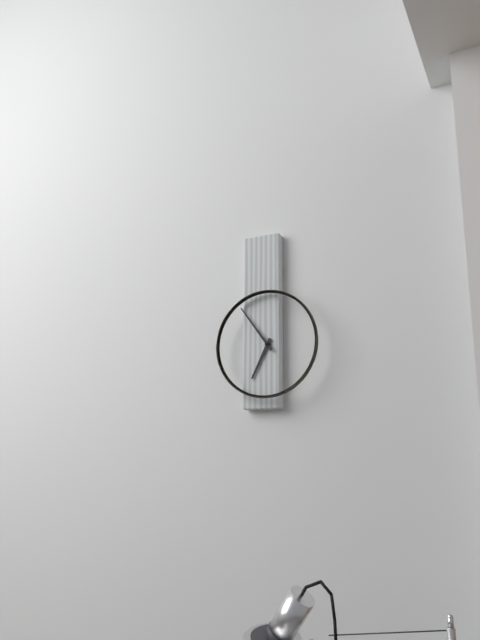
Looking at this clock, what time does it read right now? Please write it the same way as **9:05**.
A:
**6:54**
